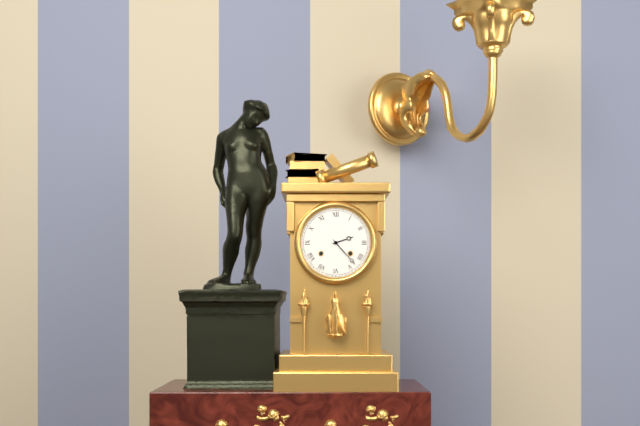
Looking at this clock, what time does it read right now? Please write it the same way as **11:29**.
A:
**2:23**
